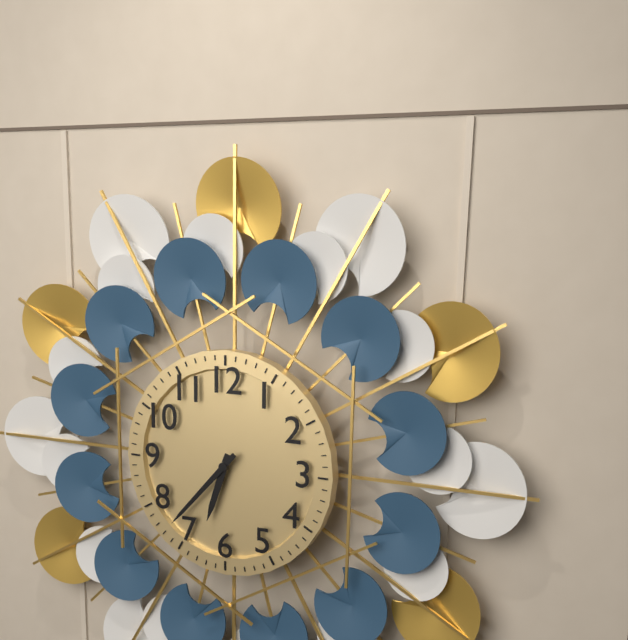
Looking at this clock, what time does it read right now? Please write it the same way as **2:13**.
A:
**6:37**
